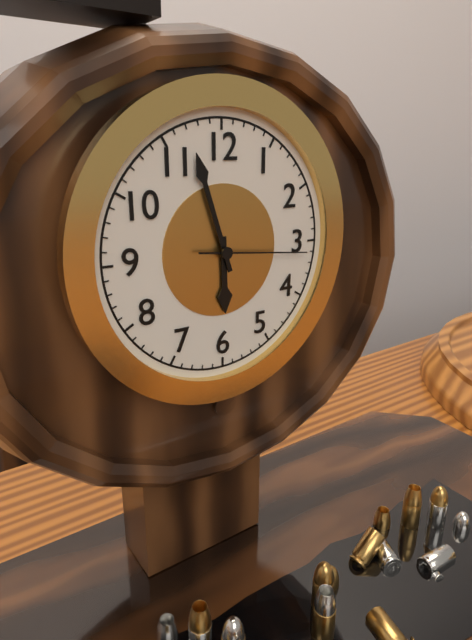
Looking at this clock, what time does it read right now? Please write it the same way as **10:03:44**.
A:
**5:57:16**
